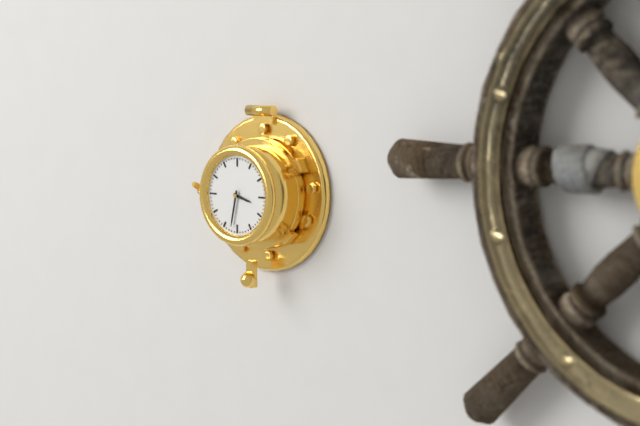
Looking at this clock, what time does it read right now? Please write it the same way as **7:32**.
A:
**3:32**
